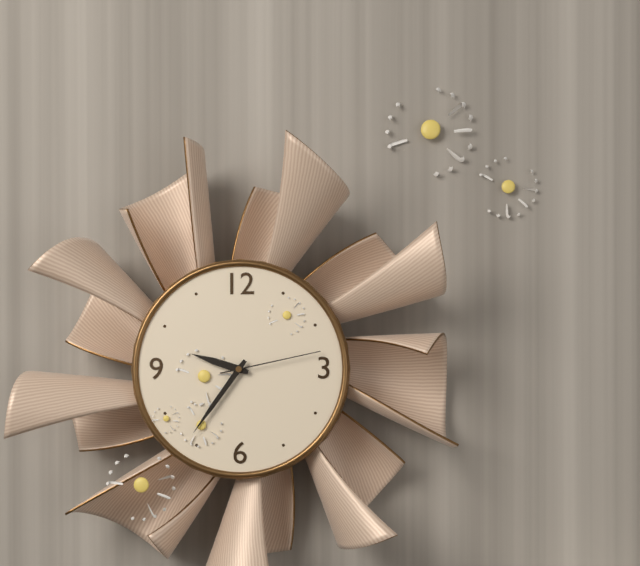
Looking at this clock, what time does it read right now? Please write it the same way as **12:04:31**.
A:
**9:36:13**
